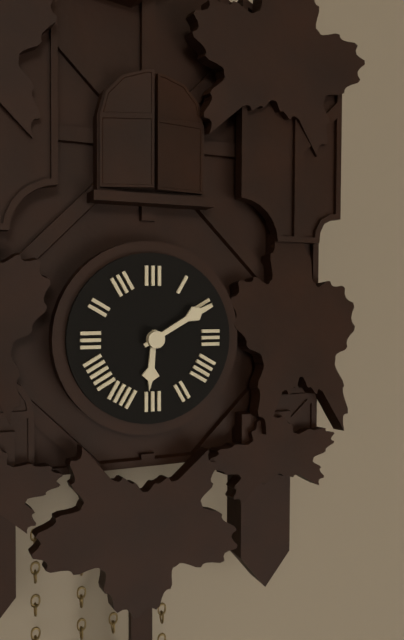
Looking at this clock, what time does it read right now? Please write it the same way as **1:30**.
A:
**6:10**
